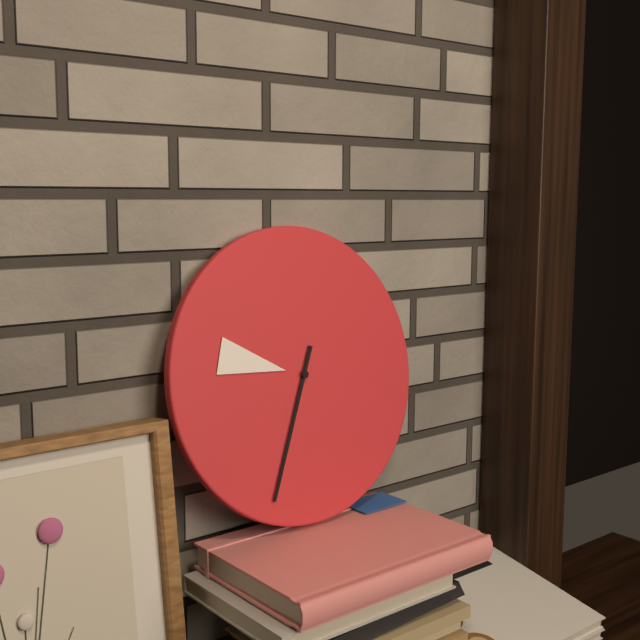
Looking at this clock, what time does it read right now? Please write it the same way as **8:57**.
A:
**9:34**
